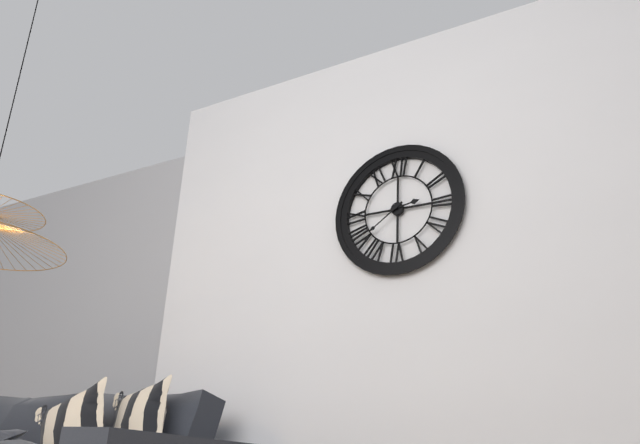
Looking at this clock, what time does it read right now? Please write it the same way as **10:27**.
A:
**2:39**
